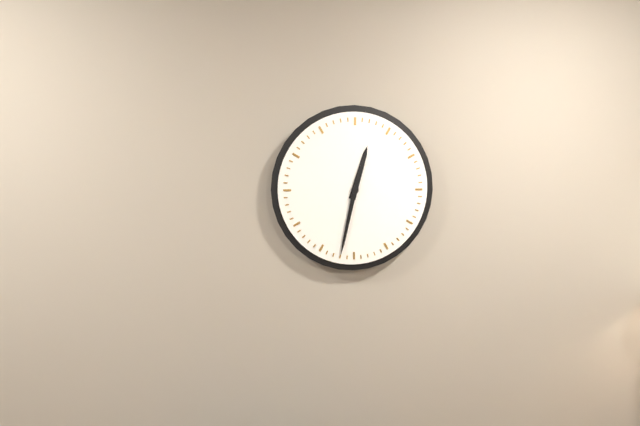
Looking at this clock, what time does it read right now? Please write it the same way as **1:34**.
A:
**12:32**
